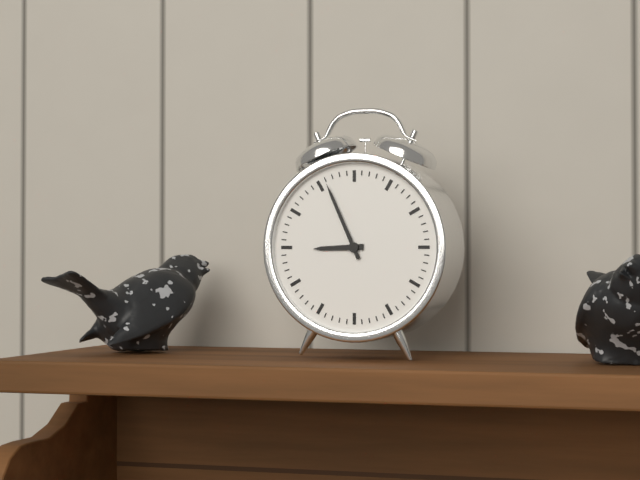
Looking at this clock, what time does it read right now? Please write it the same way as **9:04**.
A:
**8:56**
